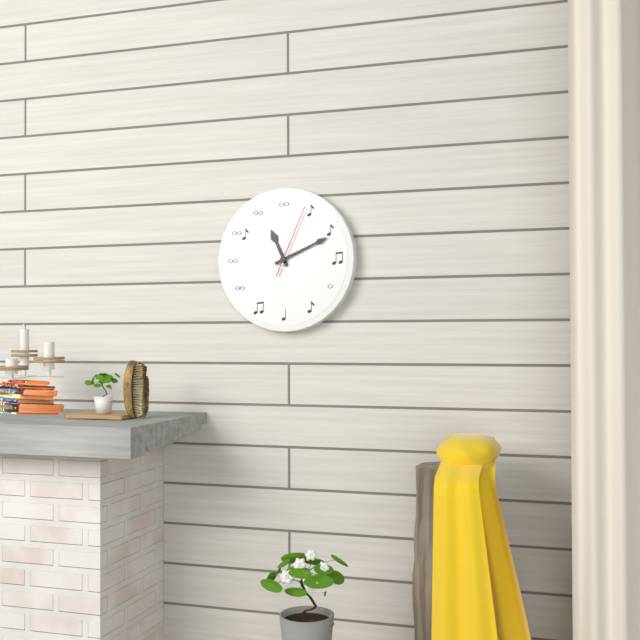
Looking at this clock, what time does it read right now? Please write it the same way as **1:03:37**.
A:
**11:11:04**
